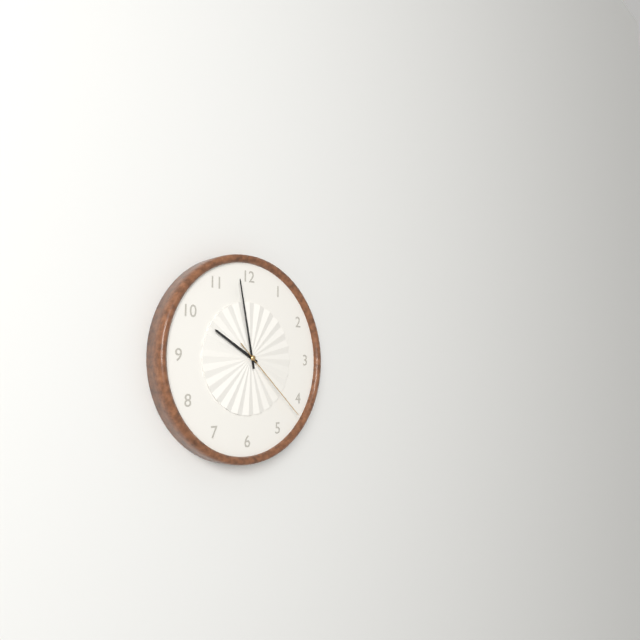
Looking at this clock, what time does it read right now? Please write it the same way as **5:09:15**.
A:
**9:58:22**
